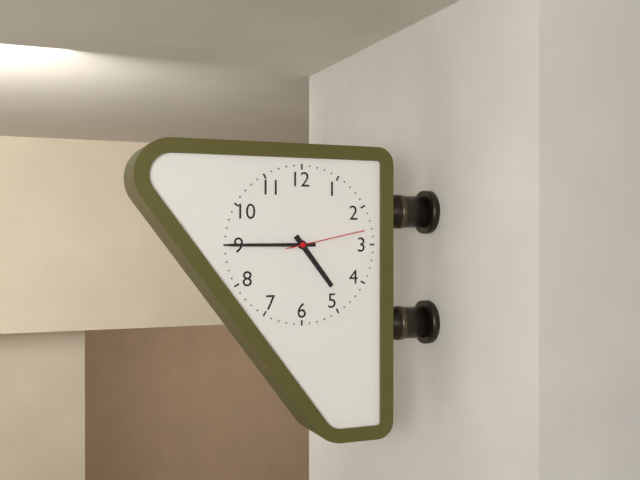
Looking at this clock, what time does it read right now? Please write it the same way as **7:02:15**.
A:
**4:45:13**
